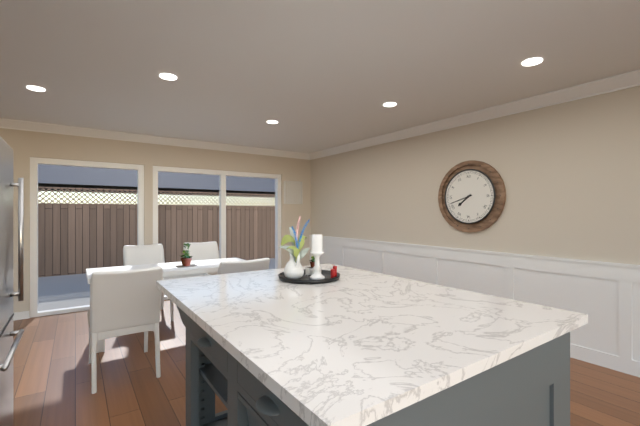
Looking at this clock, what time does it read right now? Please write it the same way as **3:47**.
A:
**7:42**
